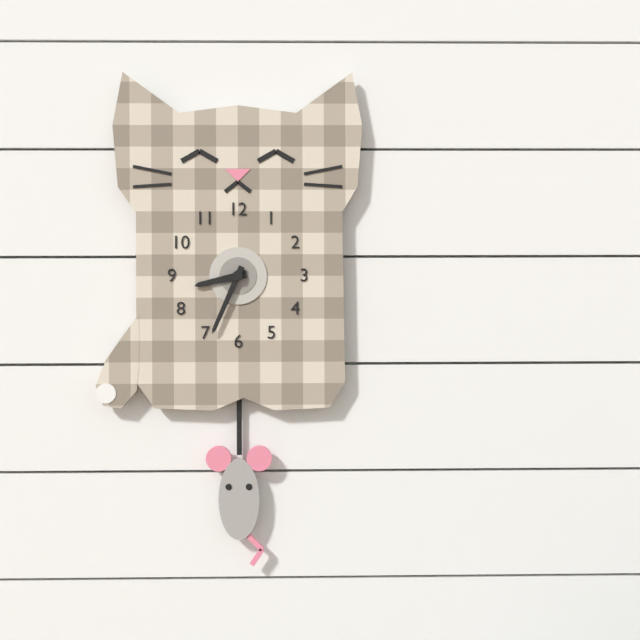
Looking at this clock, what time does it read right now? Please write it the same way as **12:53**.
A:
**8:34**
